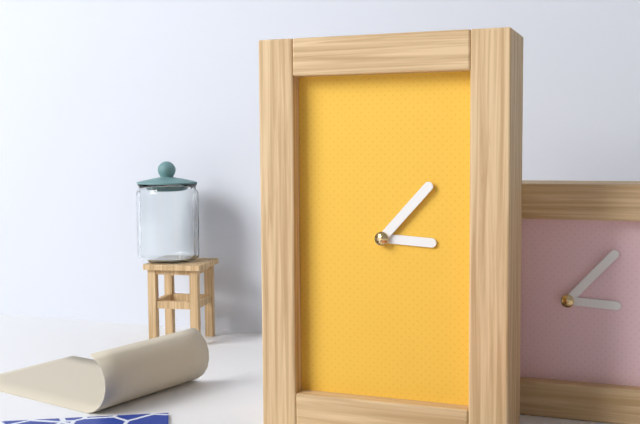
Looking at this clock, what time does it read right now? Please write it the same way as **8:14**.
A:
**3:07**
